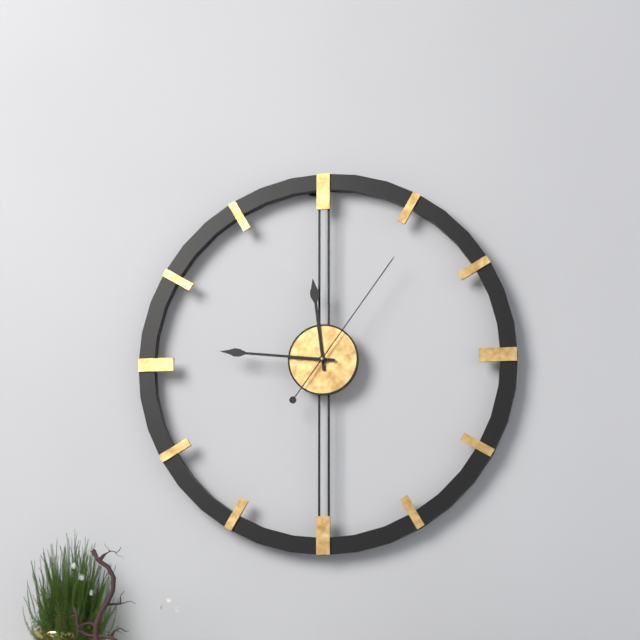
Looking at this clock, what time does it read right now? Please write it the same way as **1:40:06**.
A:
**11:46:06**
